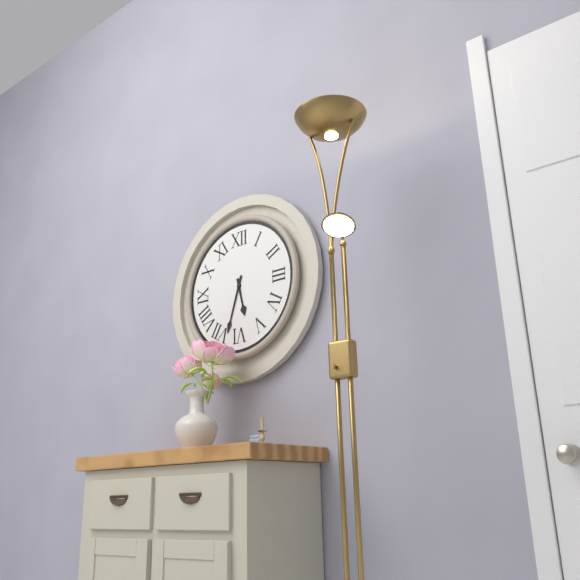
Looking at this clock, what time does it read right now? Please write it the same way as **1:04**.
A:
**5:33**
